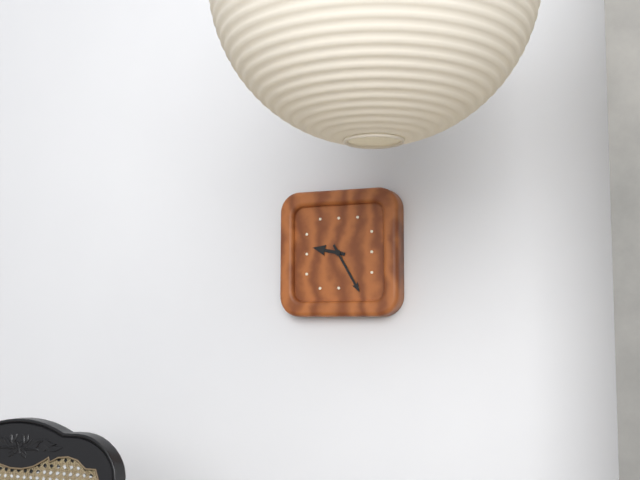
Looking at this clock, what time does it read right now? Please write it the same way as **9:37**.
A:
**9:25**
